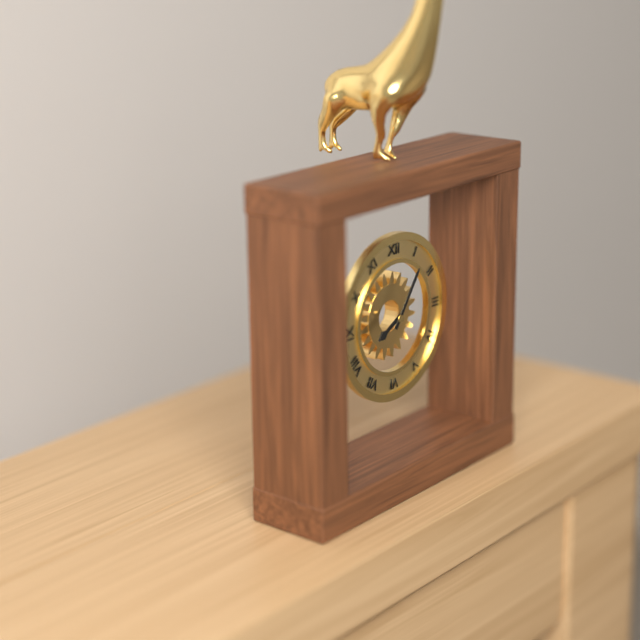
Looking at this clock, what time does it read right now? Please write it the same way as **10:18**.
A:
**8:06**
